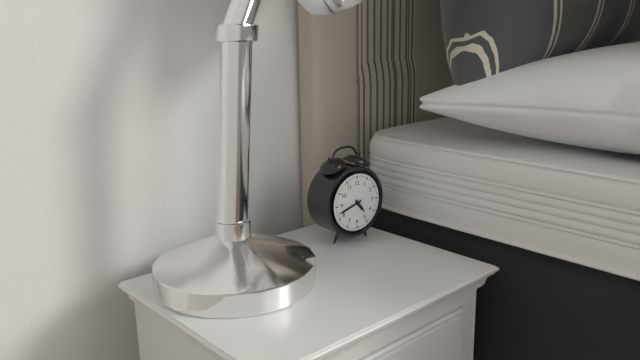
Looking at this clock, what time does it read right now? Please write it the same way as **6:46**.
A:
**4:42**
